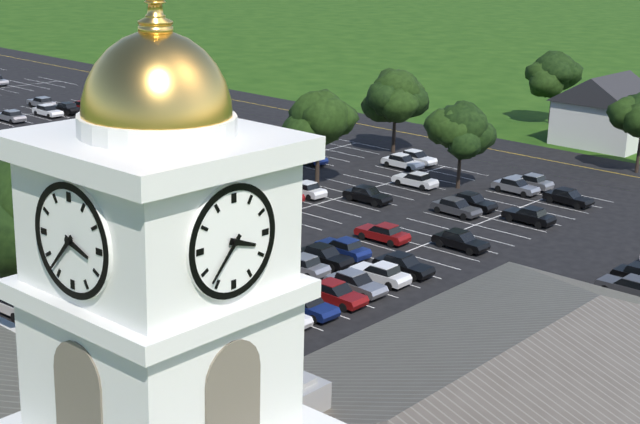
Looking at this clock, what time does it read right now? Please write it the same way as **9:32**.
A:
**3:37**
